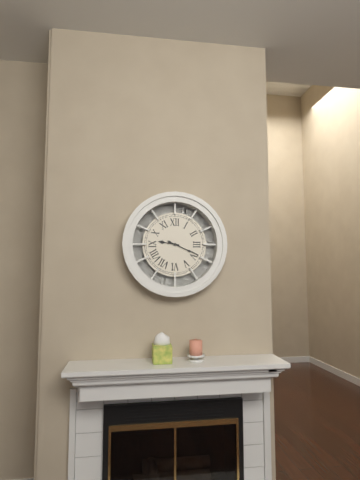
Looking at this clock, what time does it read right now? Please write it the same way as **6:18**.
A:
**9:19**
